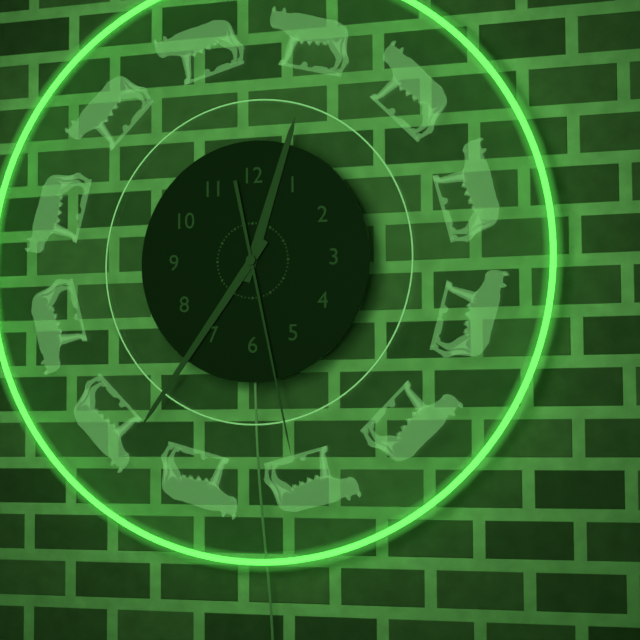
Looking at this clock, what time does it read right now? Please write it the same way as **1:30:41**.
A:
**12:36:28**
